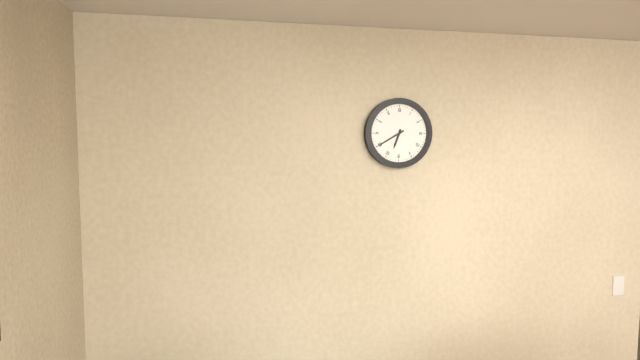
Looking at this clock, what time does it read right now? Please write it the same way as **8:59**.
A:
**6:40**
